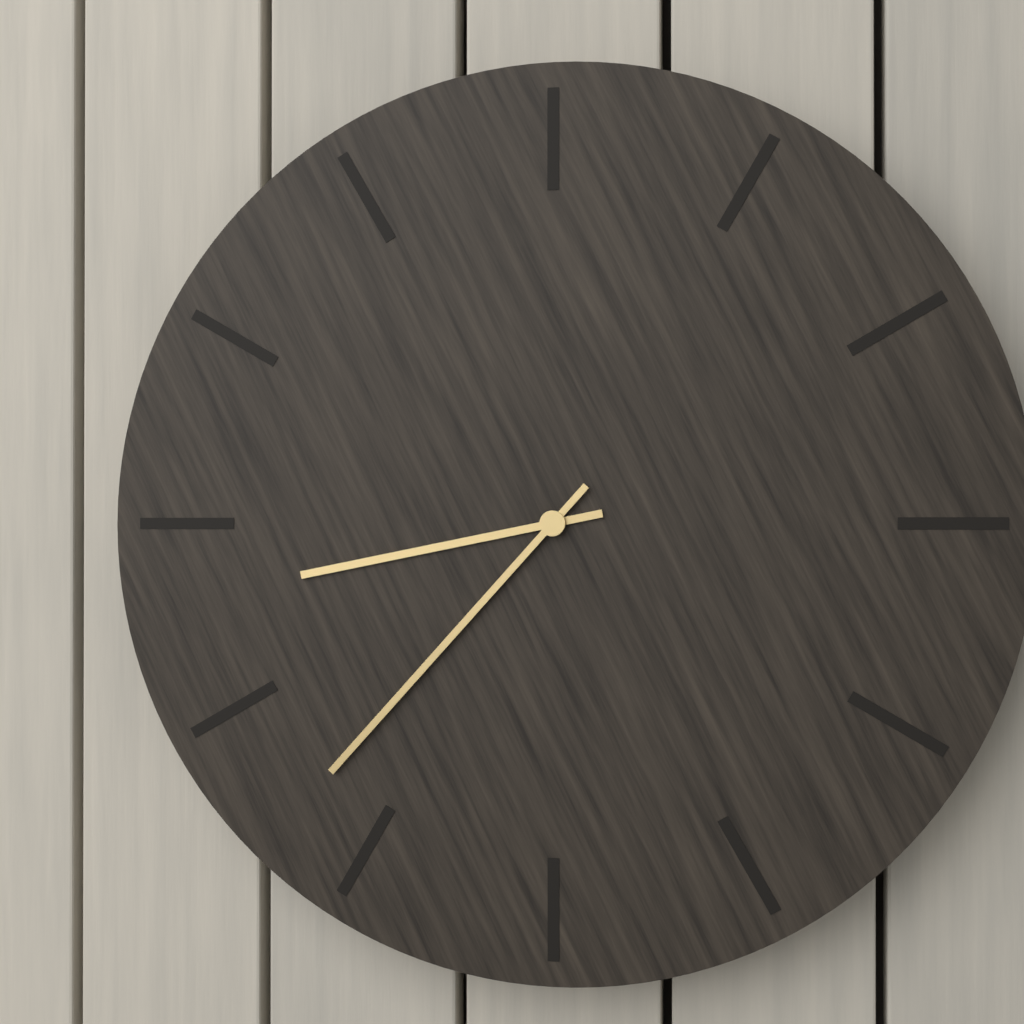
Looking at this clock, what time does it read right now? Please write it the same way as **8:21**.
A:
**8:37**
